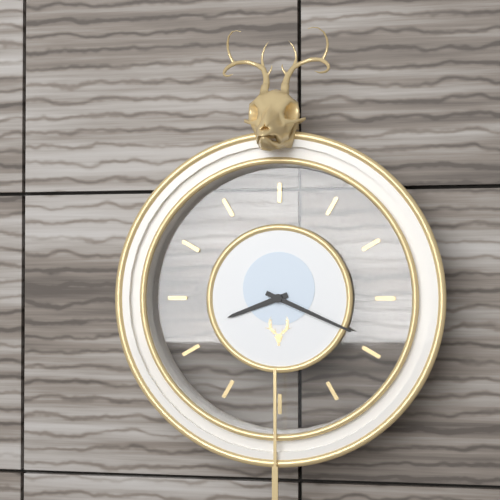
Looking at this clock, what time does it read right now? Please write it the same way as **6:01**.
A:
**8:19**
